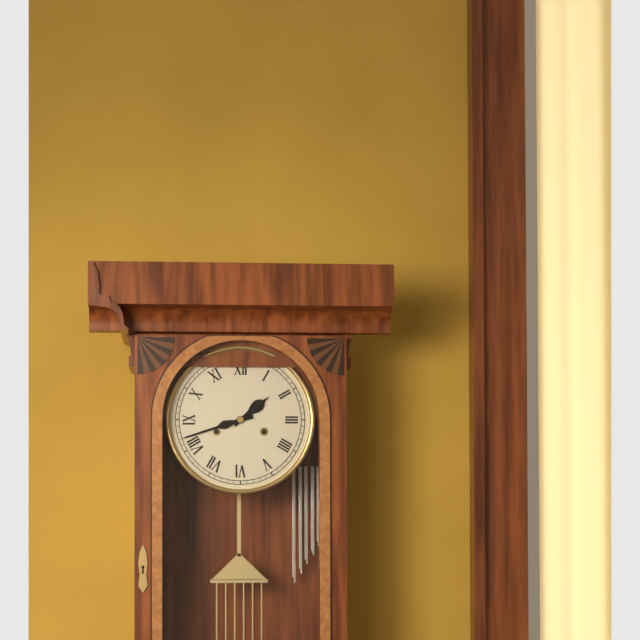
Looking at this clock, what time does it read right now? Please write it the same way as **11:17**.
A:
**1:42**
